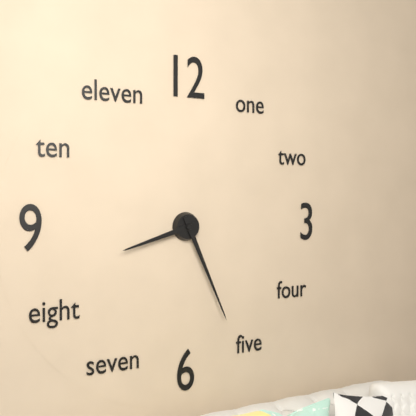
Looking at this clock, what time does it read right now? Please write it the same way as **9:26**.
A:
**8:26**
